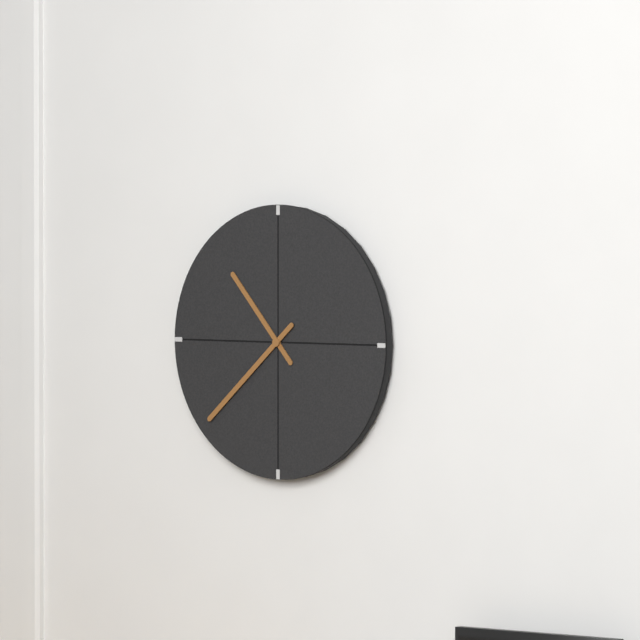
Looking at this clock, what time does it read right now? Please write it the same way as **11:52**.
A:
**10:38**
